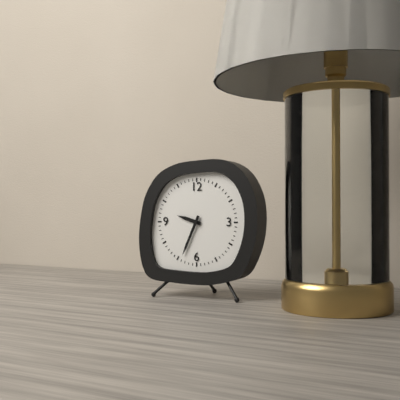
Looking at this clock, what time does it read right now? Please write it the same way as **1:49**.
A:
**9:34**
